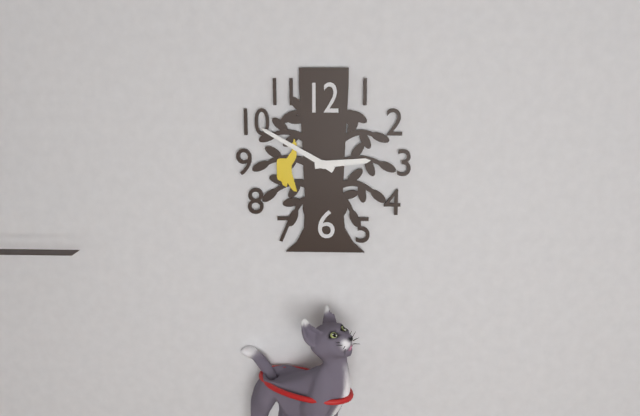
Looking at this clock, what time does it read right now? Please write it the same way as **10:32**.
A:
**2:50**
